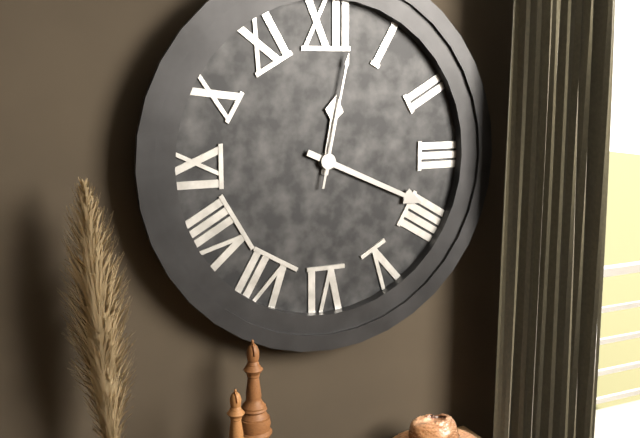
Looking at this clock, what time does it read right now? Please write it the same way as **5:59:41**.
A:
**12:19:02**
